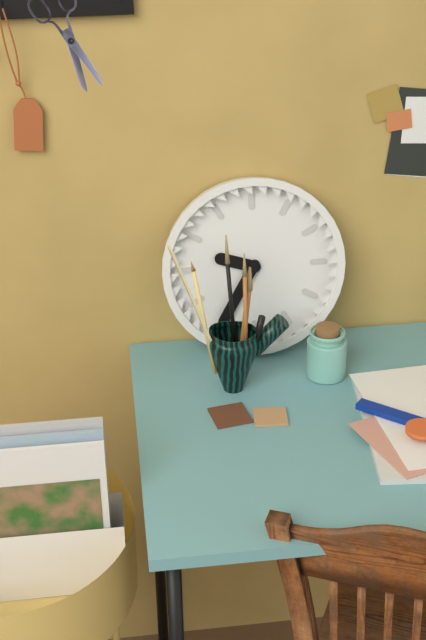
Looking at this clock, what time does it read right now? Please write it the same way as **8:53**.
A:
**9:35**
